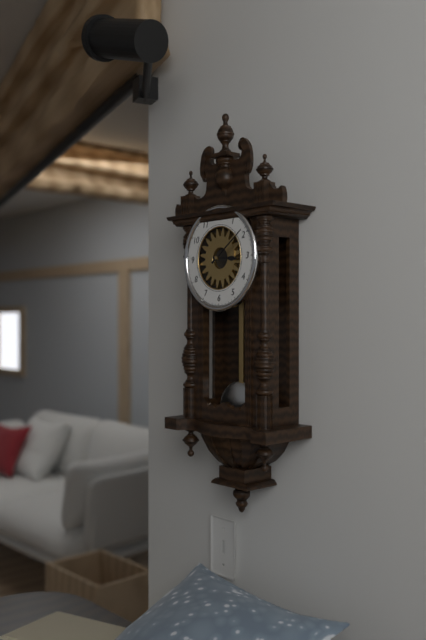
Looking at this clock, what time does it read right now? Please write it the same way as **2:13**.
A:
**3:09**
